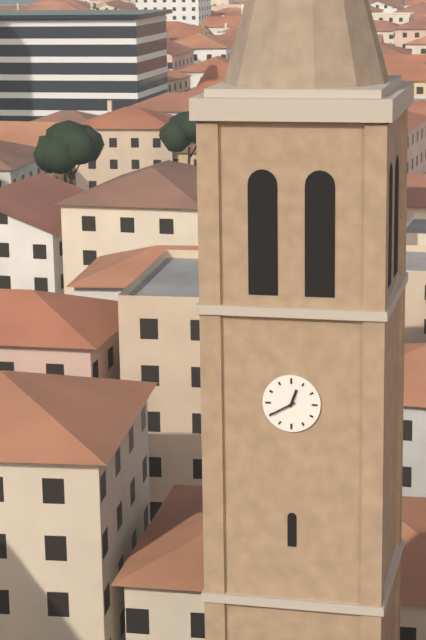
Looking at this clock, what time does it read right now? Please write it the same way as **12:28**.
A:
**12:40**
